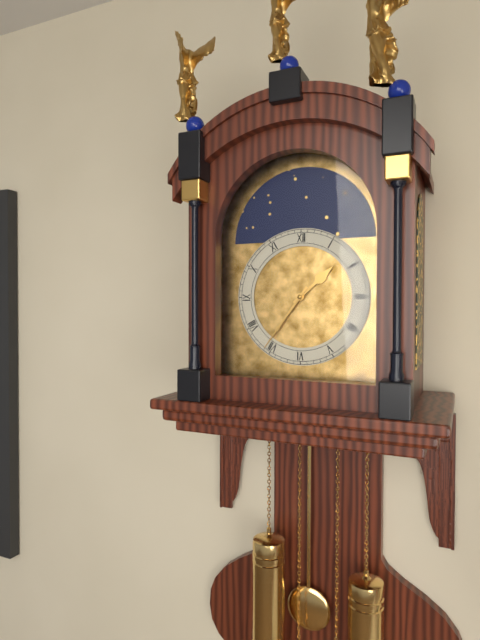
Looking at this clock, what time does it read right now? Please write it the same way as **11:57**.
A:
**1:36**
